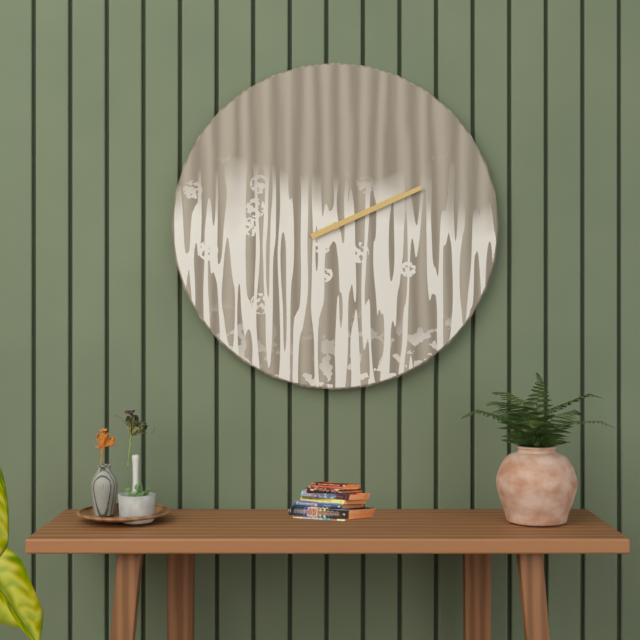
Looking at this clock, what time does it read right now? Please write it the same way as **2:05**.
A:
**2:11**
